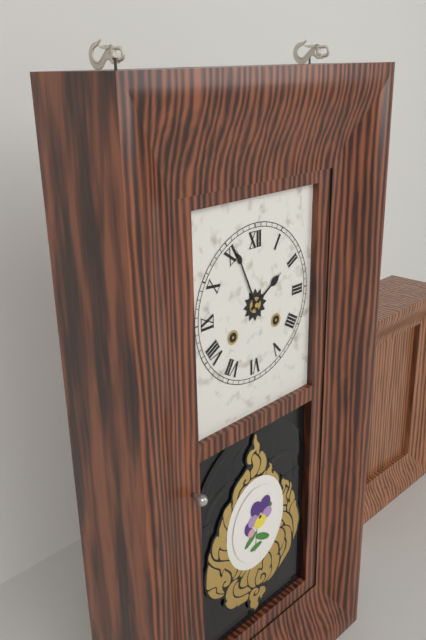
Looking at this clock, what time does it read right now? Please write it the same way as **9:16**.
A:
**1:56**
